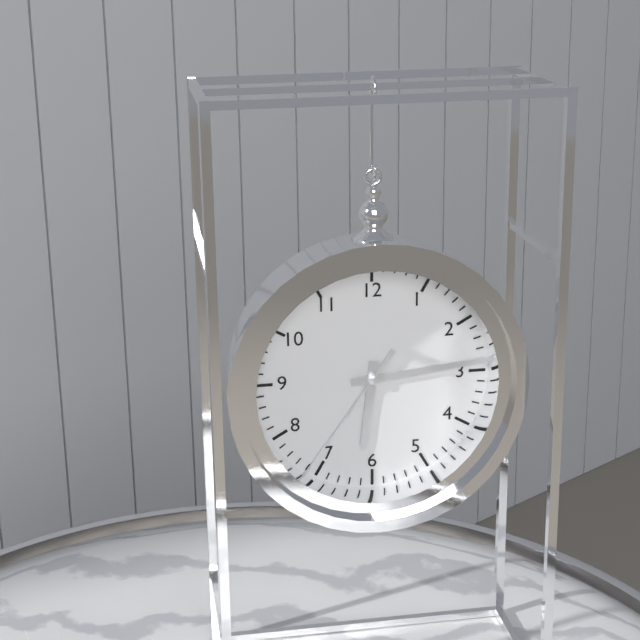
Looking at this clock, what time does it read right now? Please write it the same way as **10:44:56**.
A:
**6:14:36**
